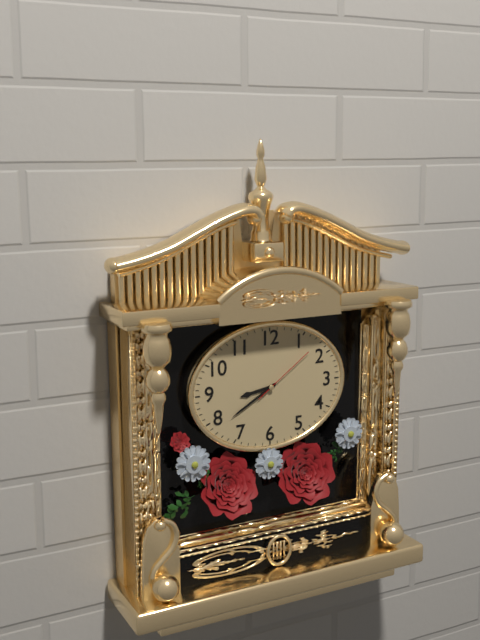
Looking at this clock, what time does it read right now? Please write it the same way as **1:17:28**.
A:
**8:40:09**
